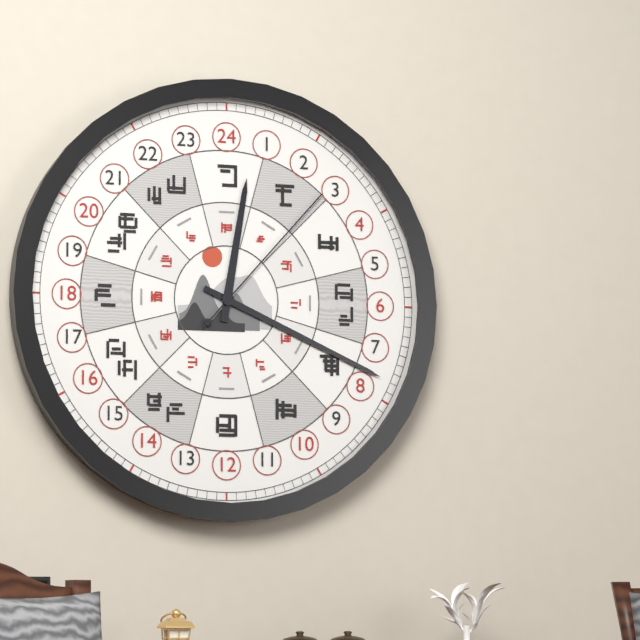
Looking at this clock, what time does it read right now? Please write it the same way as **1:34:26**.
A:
**12:19:07**
